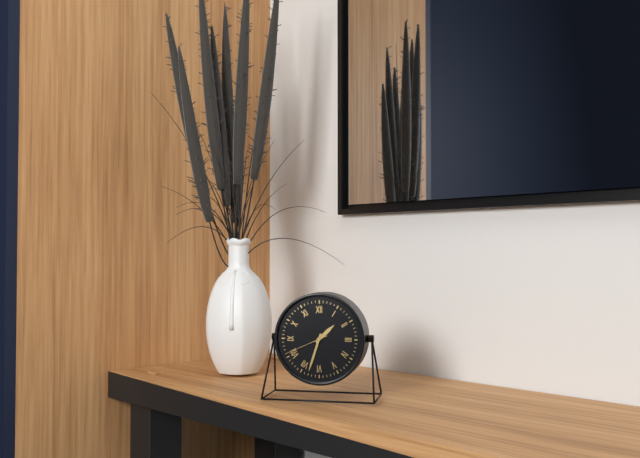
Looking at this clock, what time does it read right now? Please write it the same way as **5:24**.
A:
**1:33**
